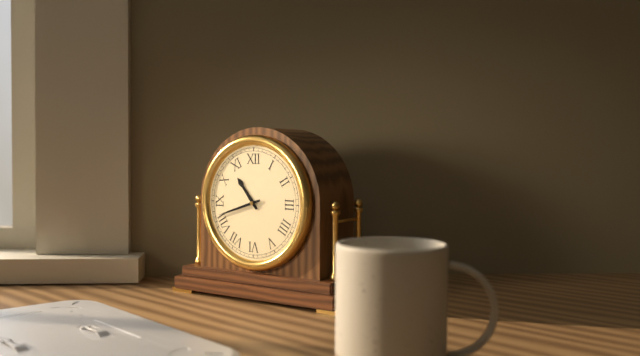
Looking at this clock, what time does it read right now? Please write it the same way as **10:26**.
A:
**10:42**
